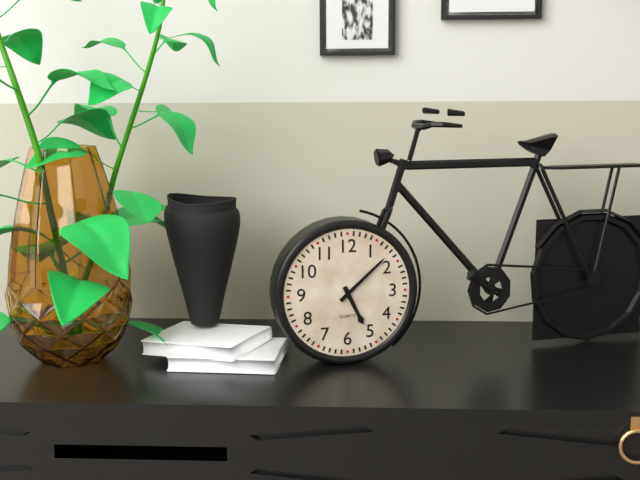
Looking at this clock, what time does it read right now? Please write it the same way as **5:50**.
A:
**5:08**
